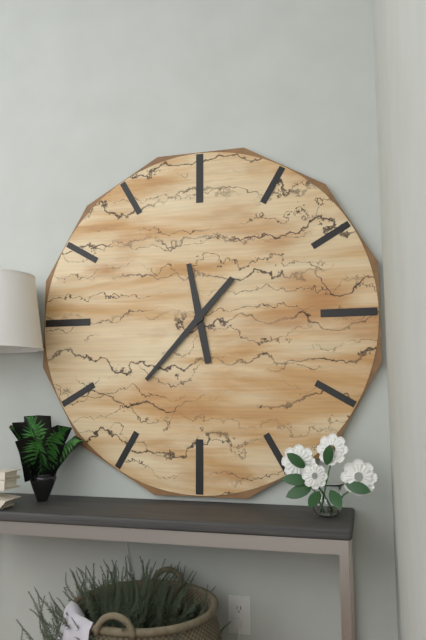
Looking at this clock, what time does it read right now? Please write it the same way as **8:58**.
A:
**11:37**
